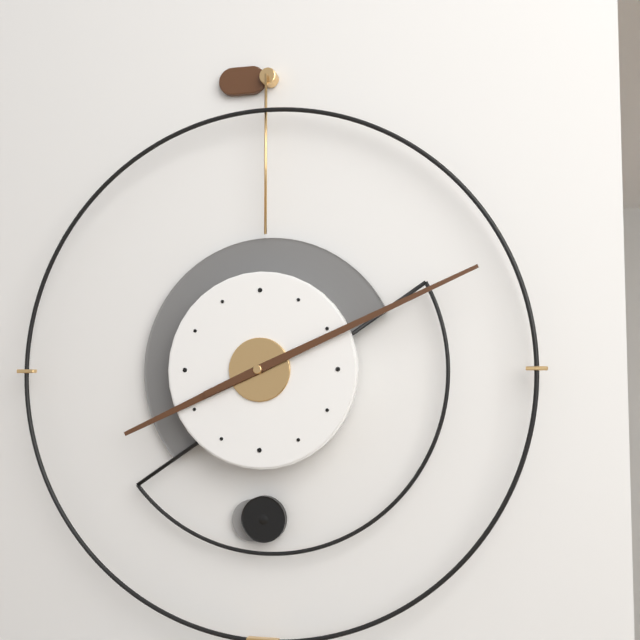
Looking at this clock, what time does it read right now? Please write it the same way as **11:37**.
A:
**8:11**
